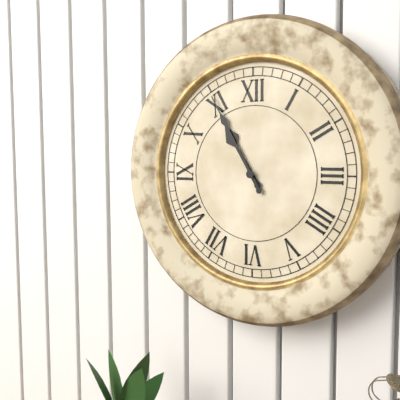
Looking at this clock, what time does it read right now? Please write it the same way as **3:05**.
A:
**10:55**
